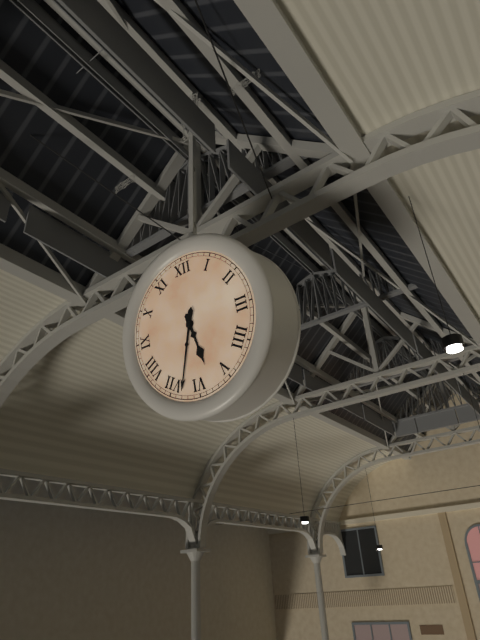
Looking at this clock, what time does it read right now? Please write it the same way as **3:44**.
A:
**5:33**
